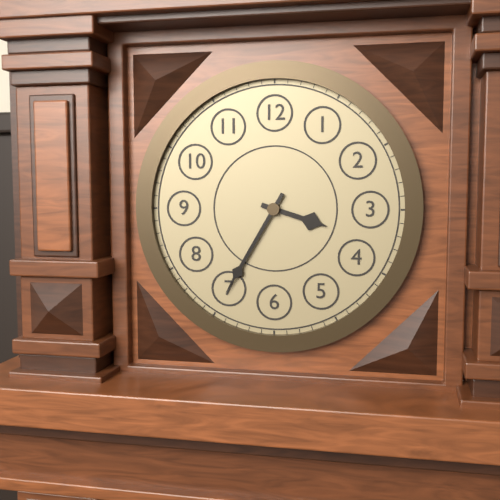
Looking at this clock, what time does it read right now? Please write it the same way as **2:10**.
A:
**3:35**
